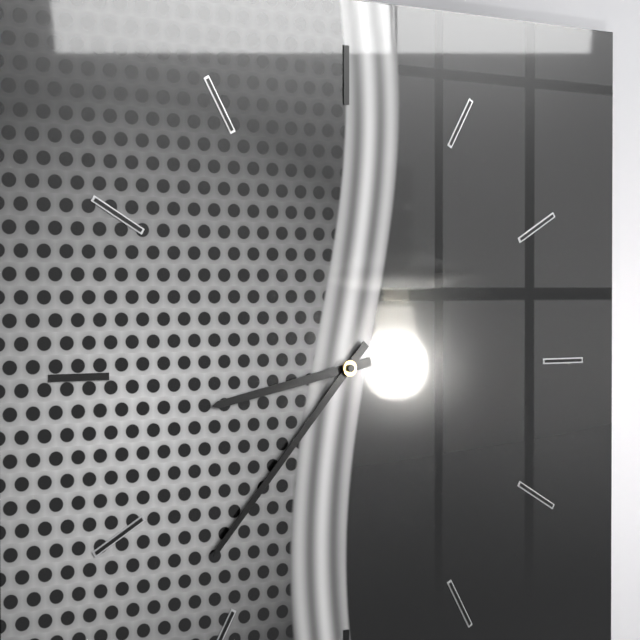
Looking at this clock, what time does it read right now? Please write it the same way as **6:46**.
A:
**8:37**
